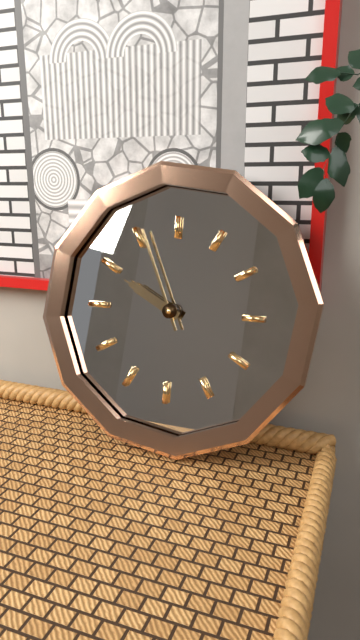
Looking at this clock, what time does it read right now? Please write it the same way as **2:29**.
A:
**9:56**
